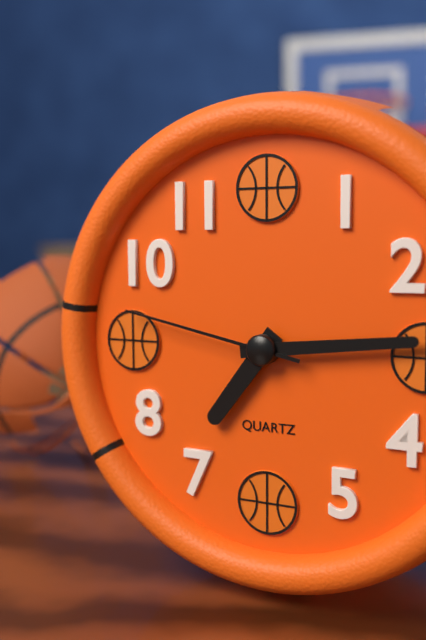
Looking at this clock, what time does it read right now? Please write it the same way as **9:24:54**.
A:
**7:14:47**
